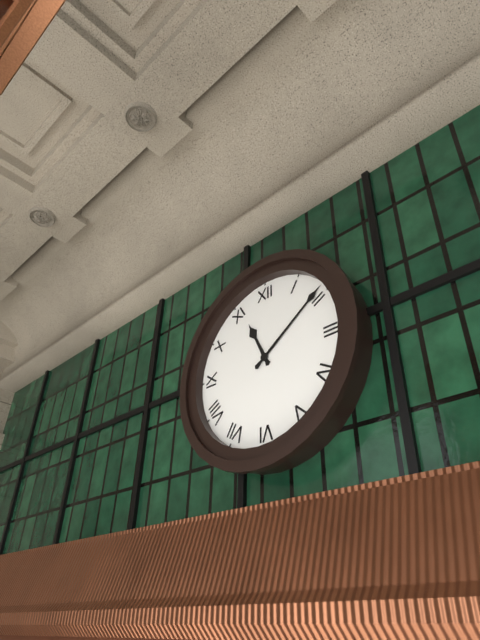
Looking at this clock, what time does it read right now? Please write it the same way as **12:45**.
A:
**11:09**
